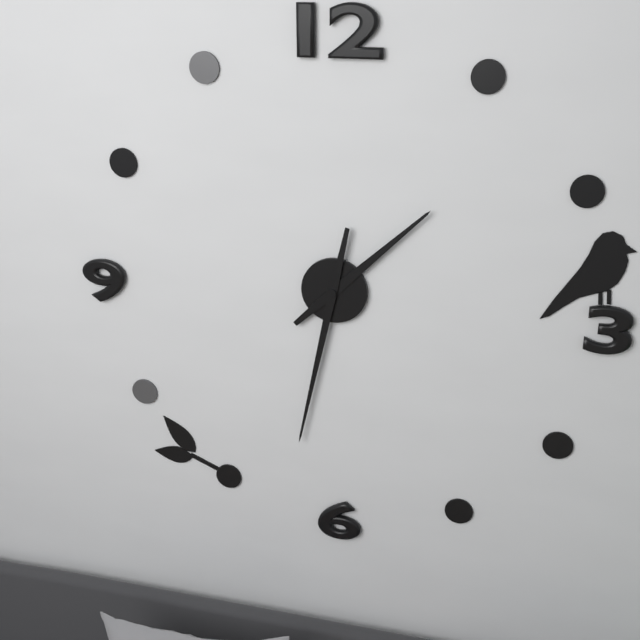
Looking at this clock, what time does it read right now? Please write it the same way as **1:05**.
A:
**1:32**
